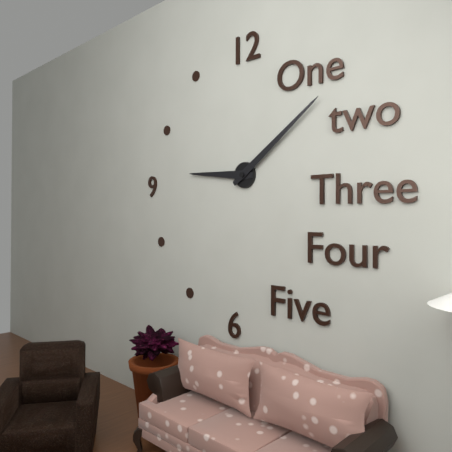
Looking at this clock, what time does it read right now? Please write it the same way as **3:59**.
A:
**9:09**
